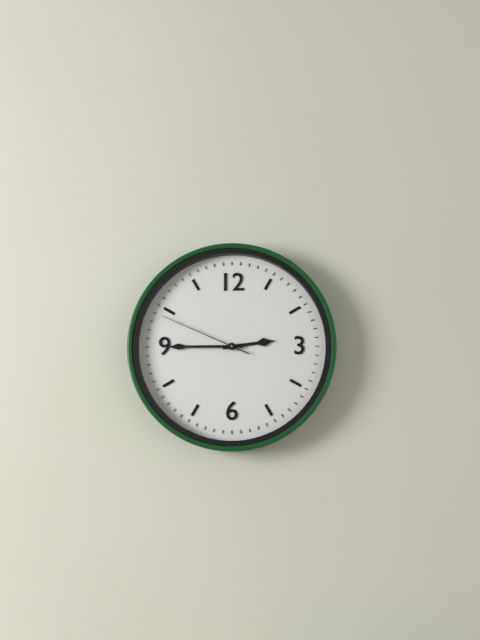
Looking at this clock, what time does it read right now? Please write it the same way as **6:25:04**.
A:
**2:45:49**
